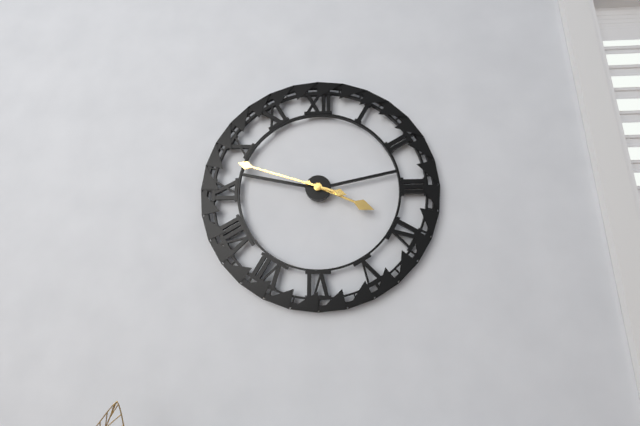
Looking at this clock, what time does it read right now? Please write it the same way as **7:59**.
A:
**3:48**
